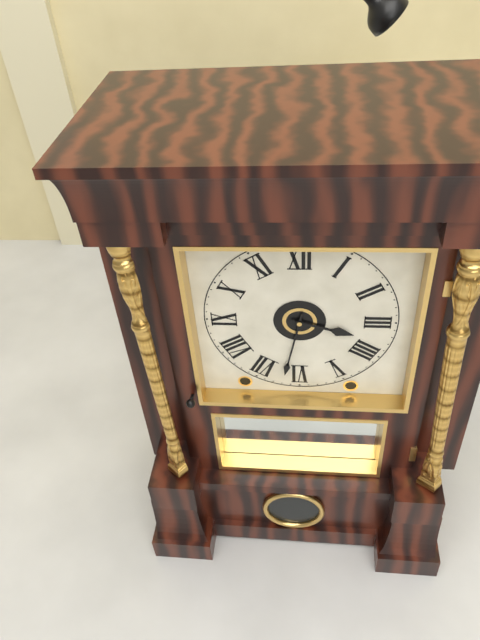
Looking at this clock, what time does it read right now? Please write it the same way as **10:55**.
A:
**3:32**
